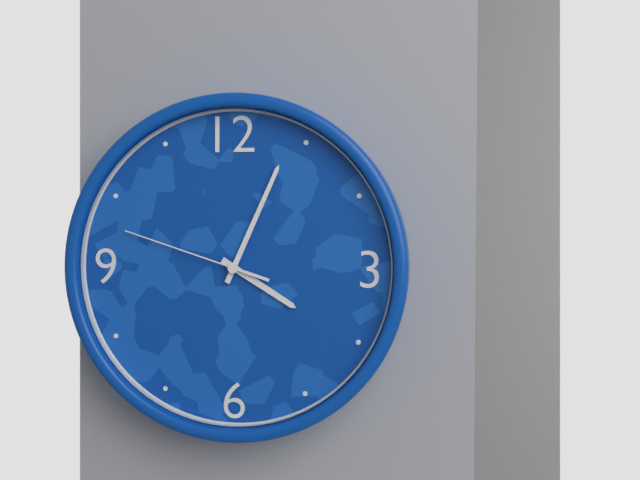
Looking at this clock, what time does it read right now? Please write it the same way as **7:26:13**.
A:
**4:04:48**
